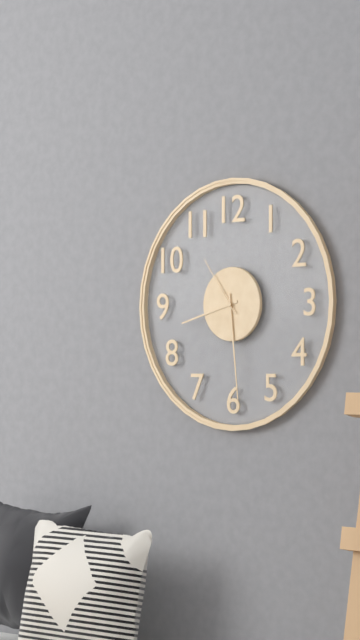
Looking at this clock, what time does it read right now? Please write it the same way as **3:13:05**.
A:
**8:29:54**
